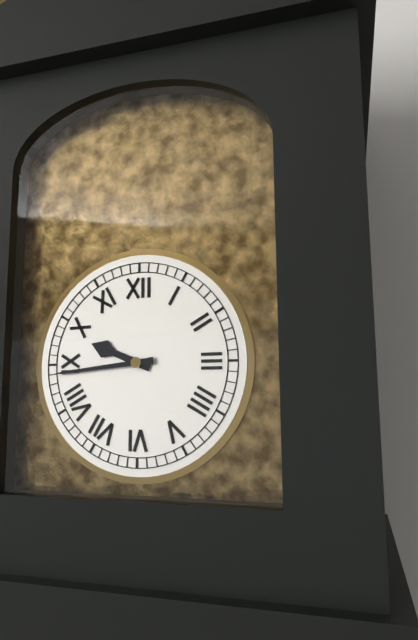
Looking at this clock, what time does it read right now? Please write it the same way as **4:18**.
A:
**9:44**
